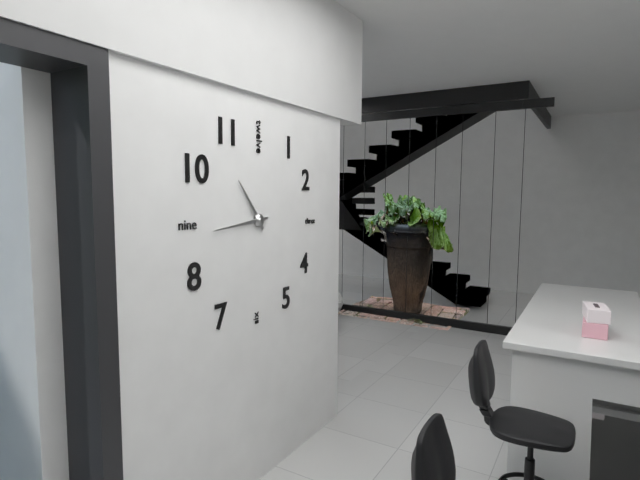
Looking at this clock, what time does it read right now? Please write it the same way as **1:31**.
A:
**10:44**
